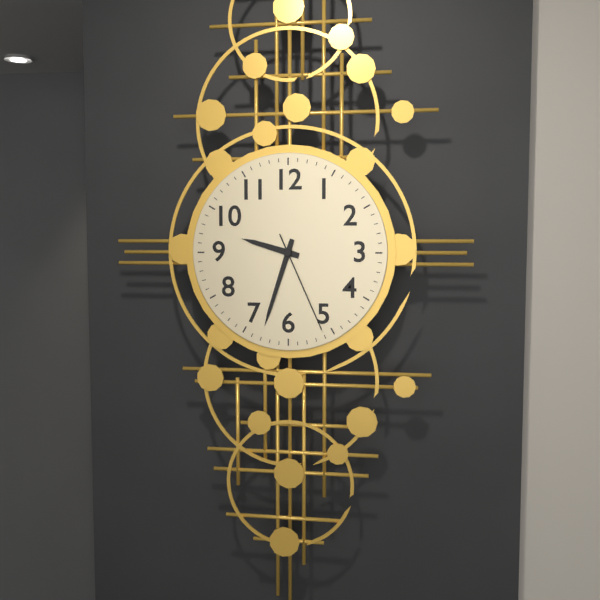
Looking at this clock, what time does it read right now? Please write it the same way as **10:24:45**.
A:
**9:33:26**
